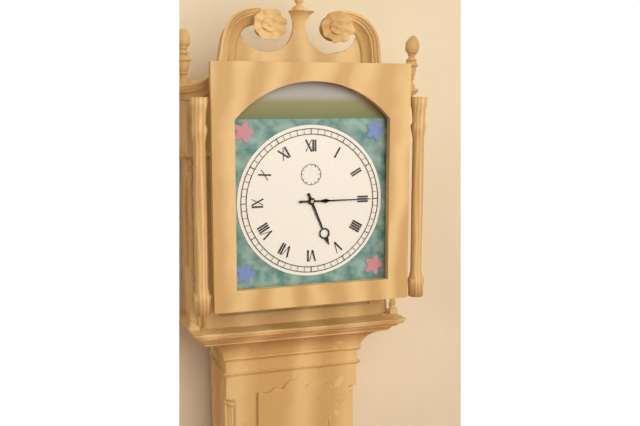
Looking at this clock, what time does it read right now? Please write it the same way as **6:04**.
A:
**5:15**
